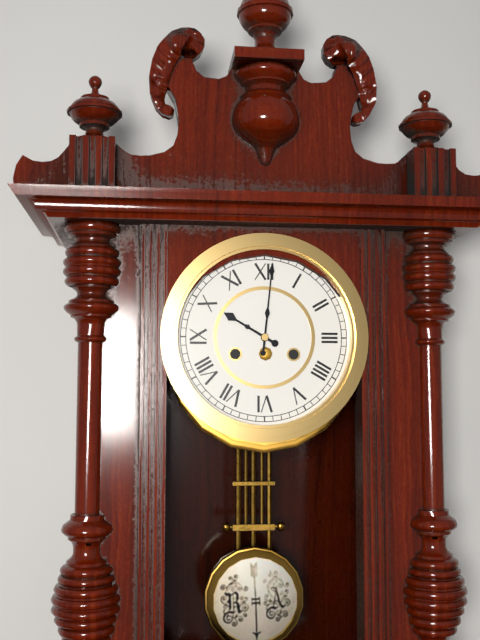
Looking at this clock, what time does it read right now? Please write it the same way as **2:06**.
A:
**10:01**
